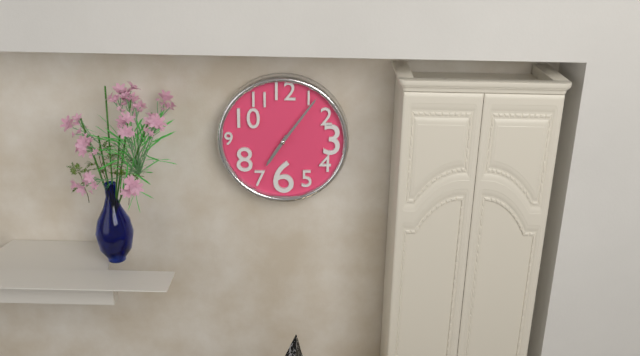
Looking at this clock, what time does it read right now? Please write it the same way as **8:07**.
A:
**7:06**
